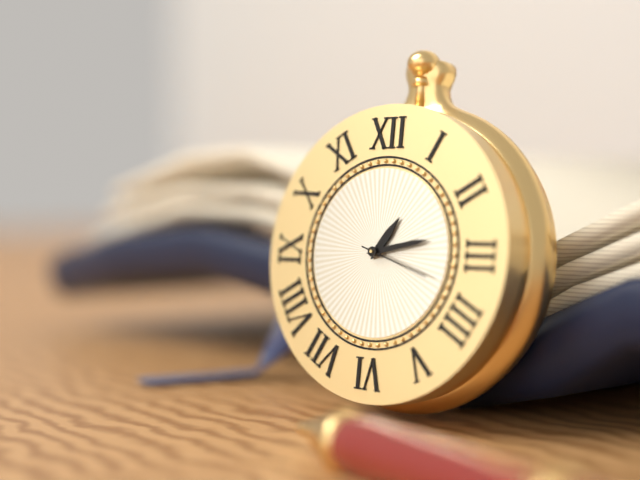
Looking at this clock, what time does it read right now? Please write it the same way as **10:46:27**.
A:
**1:13:18**
